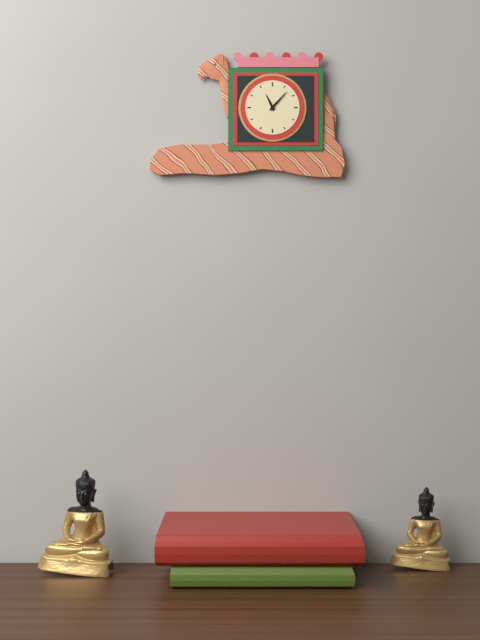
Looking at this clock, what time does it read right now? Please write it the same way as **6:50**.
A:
**11:07**
